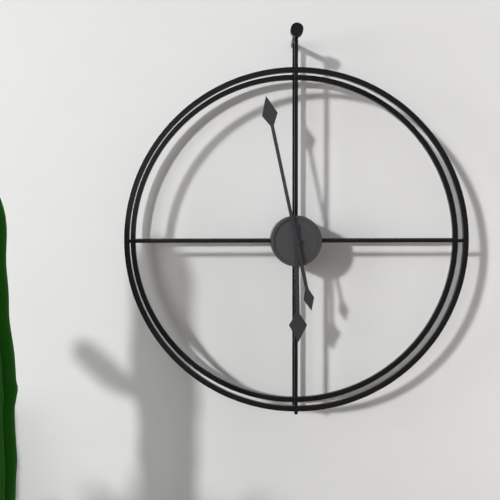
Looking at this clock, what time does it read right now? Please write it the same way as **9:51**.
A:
**5:58**
